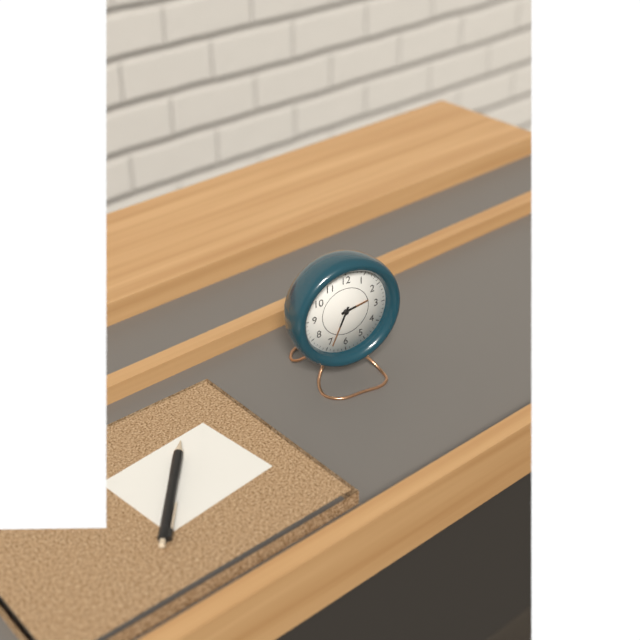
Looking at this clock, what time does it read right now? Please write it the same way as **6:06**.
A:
**2:34**
